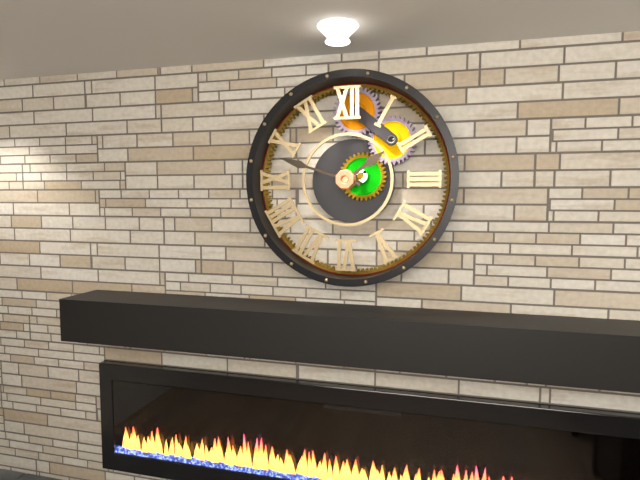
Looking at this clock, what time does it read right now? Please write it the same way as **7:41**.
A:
**1:48**
